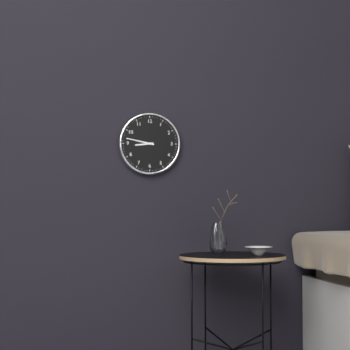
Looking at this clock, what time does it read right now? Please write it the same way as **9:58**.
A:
**8:47**
